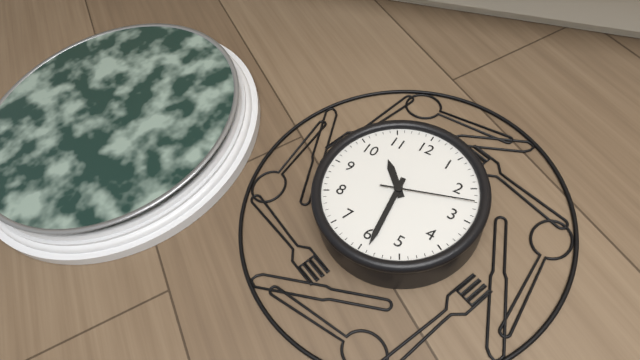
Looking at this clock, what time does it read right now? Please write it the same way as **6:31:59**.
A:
**10:29:12**
